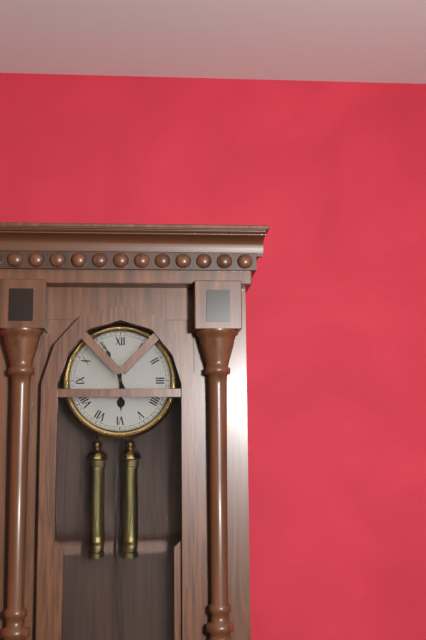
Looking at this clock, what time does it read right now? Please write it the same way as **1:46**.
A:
**5:56**
